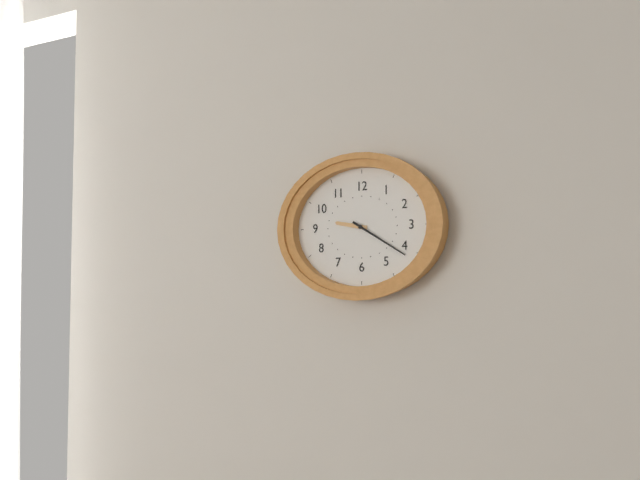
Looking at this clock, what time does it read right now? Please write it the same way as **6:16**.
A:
**9:20**
